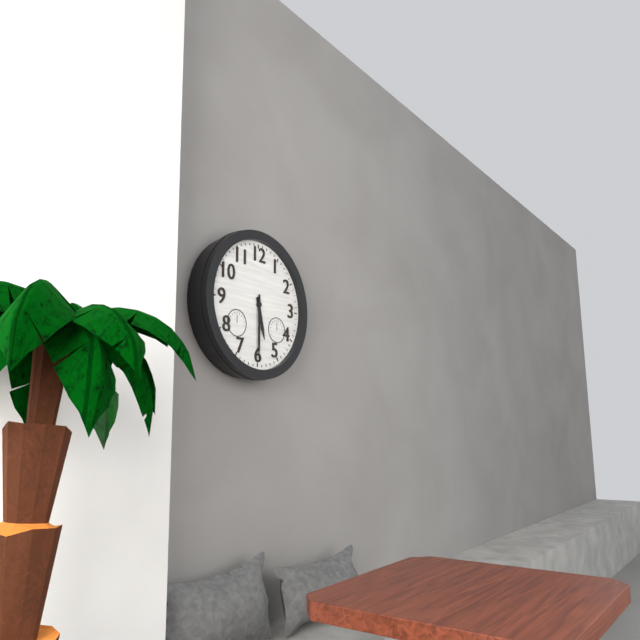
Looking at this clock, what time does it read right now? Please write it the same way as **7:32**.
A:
**5:30**
